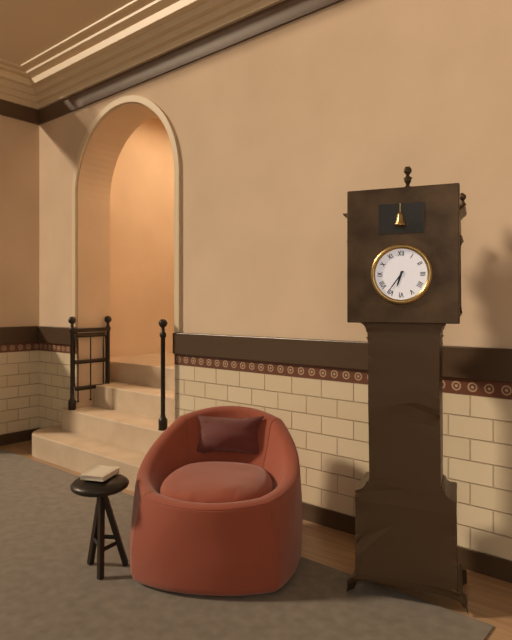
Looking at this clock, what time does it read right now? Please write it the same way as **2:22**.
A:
**6:36**
